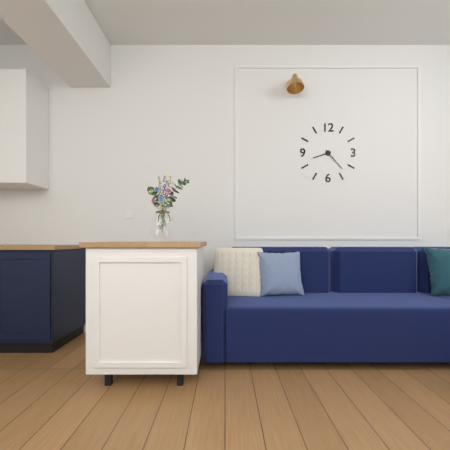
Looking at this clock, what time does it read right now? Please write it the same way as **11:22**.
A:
**8:23**
